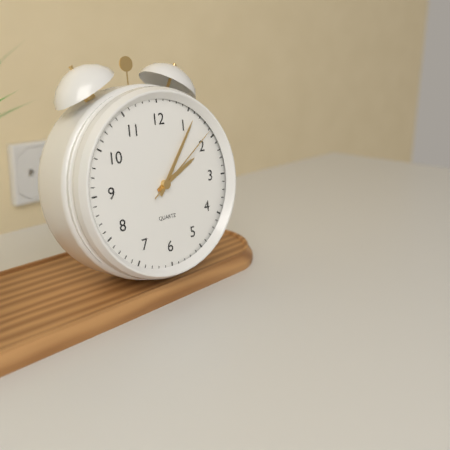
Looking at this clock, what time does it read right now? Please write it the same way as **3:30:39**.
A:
**2:06:09**
